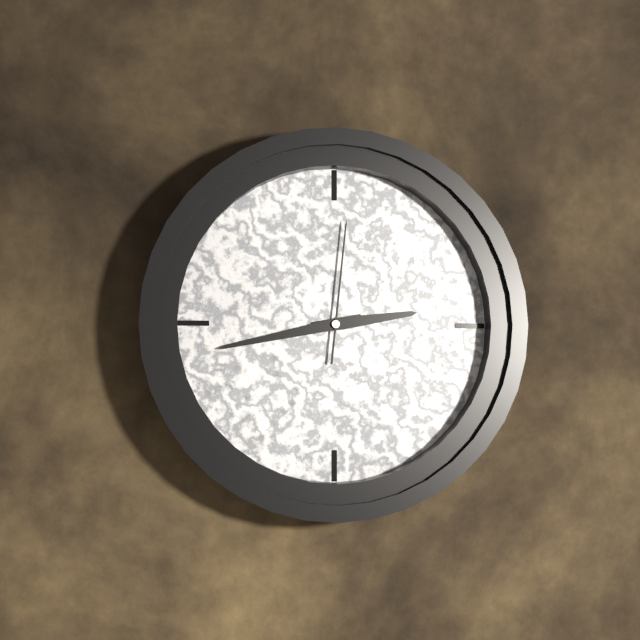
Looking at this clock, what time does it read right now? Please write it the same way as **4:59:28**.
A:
**2:43:01**
